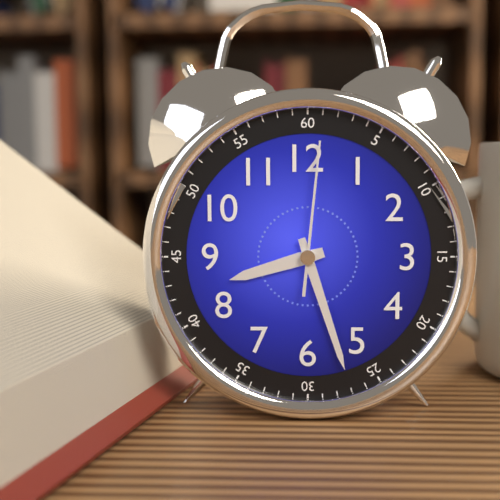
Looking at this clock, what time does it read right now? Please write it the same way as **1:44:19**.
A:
**8:27:01**
